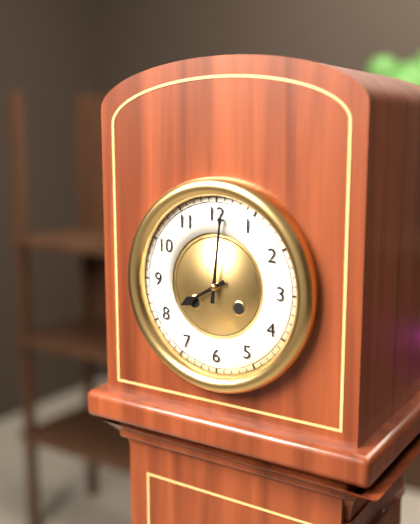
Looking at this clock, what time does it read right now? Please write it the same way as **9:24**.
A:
**8:01**
